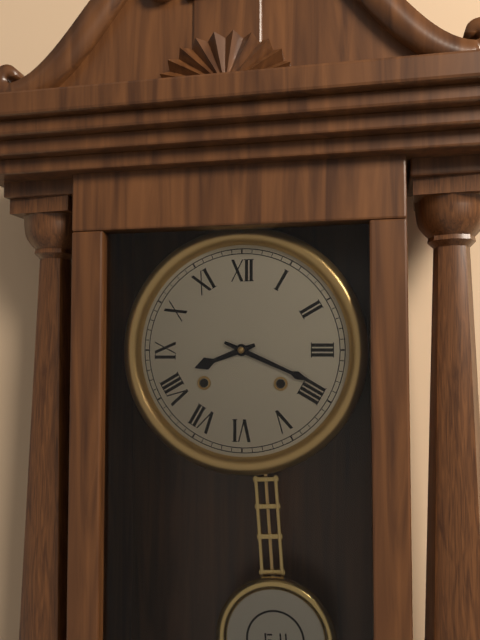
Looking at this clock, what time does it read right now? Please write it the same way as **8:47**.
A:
**8:19**
